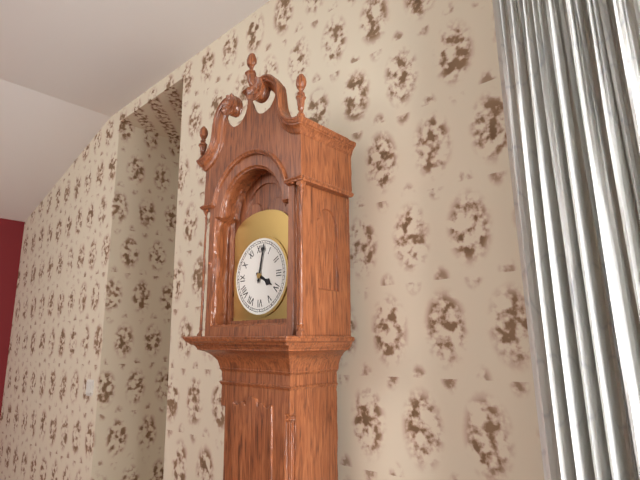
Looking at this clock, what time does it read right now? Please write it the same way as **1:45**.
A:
**4:02**
